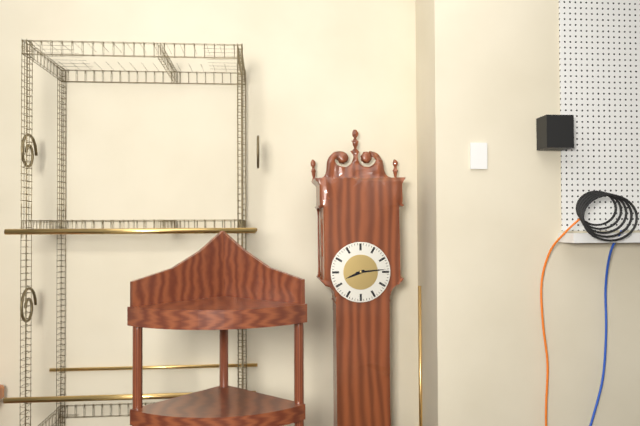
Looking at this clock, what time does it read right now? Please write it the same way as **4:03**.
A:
**8:14**
